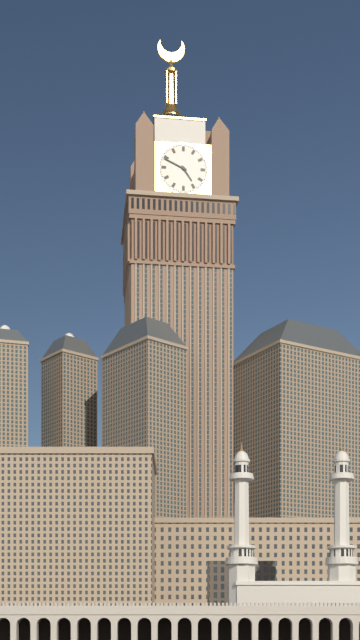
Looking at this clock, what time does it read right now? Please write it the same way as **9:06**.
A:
**4:49**
